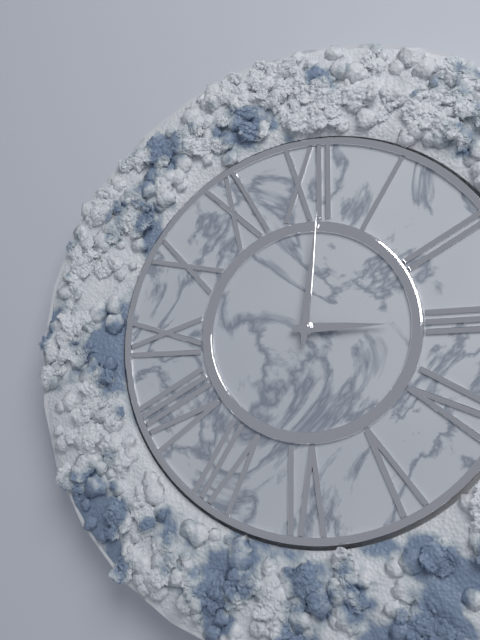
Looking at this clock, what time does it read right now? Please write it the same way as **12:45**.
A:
**3:01**
